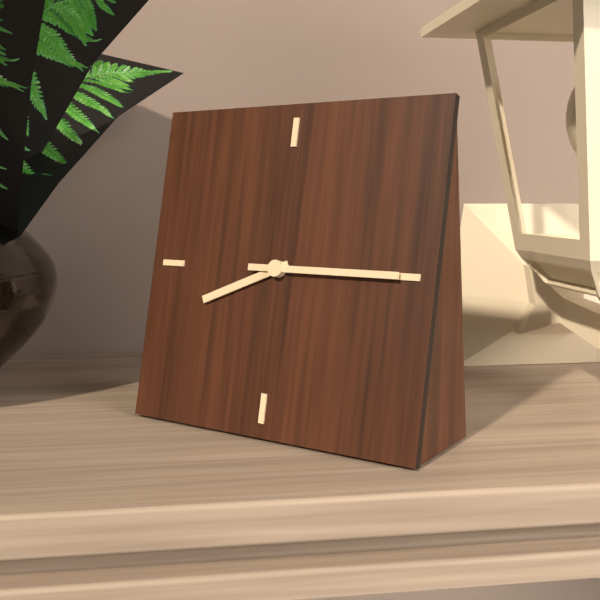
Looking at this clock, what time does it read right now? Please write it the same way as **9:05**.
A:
**8:15**
